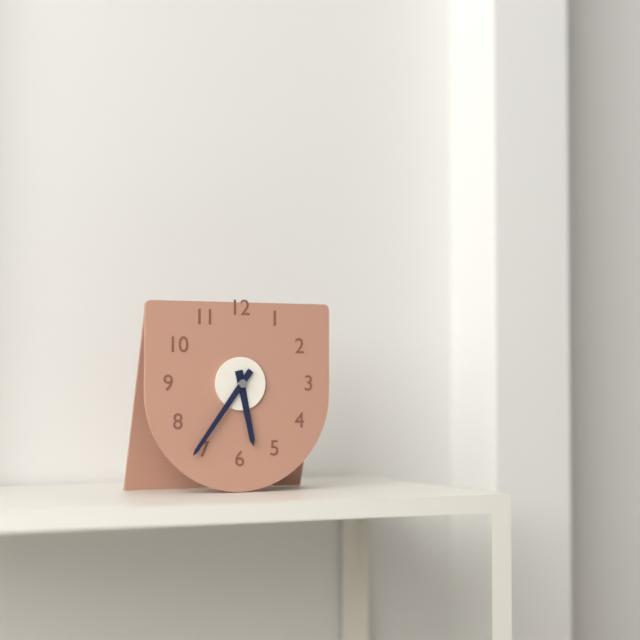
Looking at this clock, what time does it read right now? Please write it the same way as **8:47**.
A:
**5:36**
